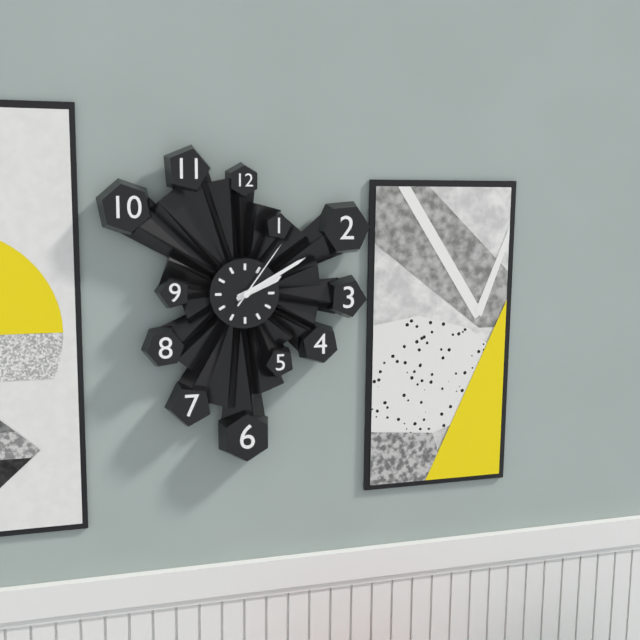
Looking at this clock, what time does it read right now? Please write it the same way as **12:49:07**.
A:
**2:10:06**
